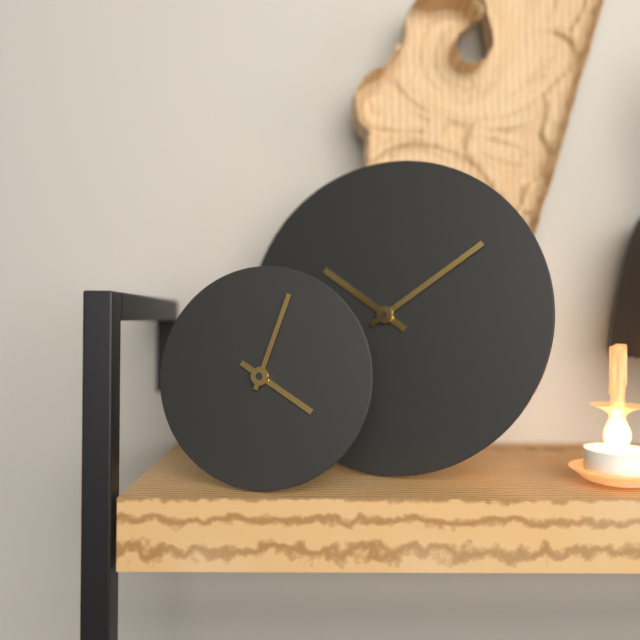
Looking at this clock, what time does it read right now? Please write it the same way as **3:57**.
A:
**4:03**
